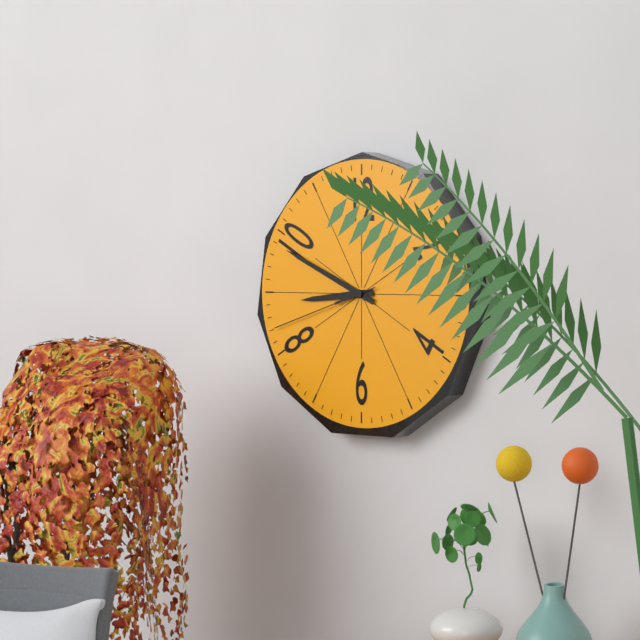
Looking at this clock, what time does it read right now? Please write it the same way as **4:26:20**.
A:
**8:49:42**
